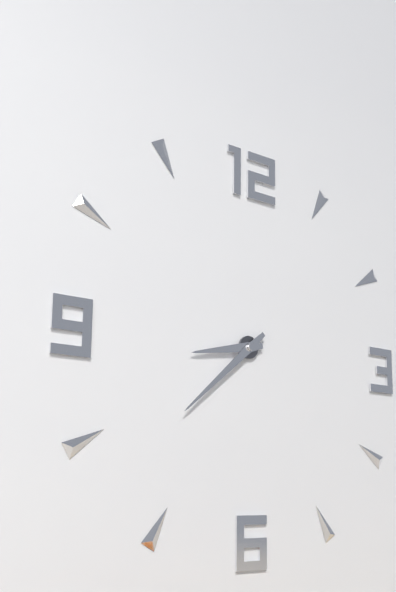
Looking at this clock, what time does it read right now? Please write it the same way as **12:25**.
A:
**8:38**
